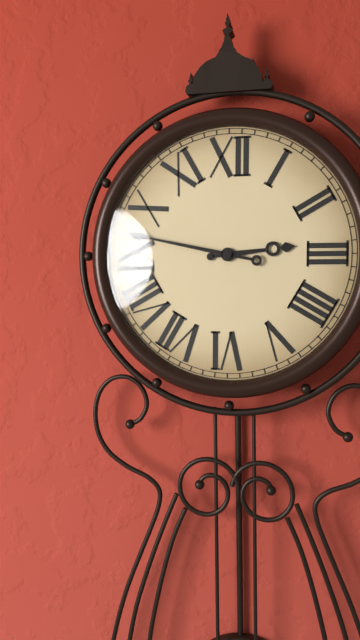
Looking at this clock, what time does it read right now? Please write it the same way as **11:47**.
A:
**2:47**
